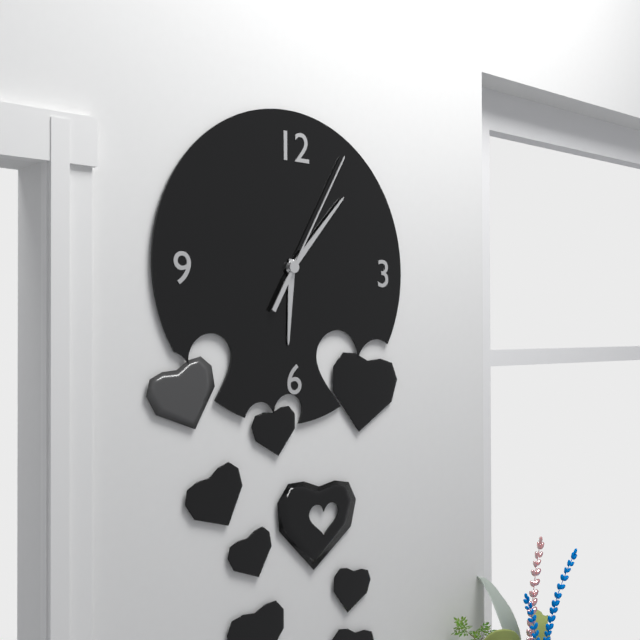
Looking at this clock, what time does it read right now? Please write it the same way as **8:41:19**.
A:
**6:07:05**
